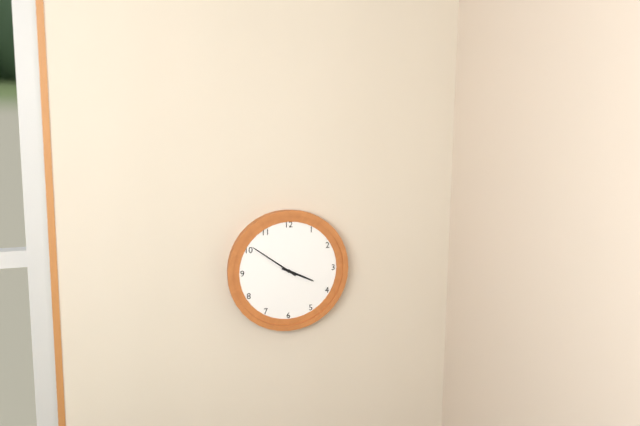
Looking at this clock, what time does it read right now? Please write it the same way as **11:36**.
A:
**3:51**
